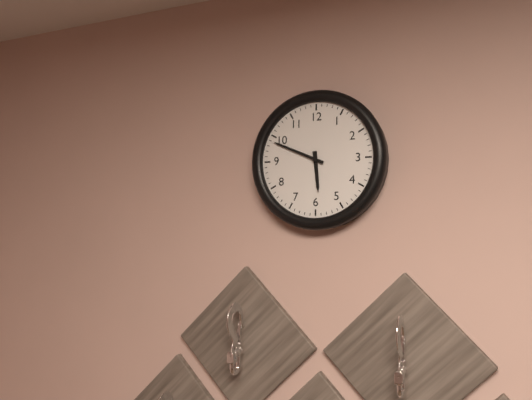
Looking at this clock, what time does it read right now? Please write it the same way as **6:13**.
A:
**5:49**
